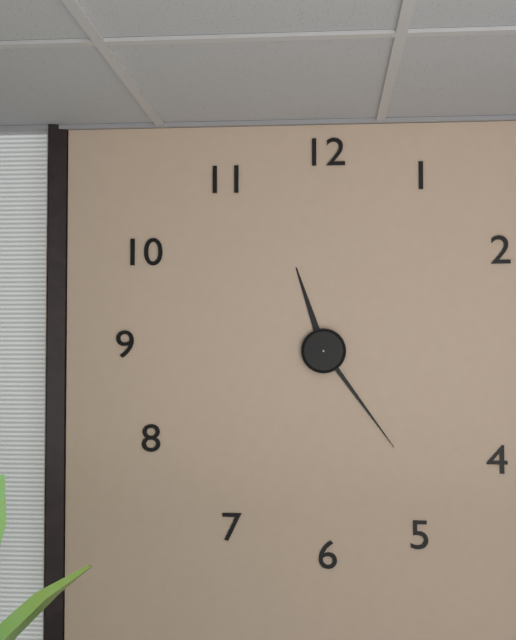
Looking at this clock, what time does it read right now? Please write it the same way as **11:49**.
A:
**11:24**
